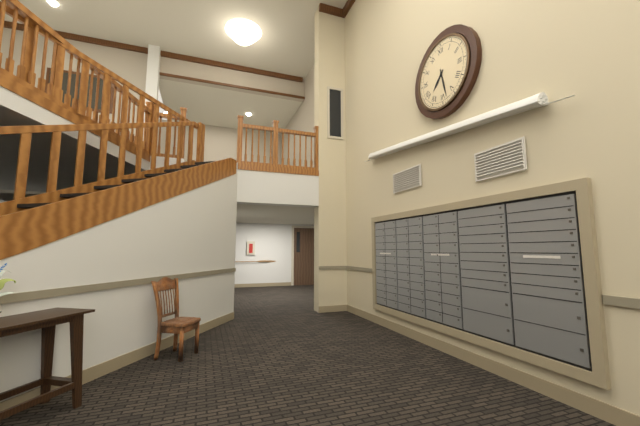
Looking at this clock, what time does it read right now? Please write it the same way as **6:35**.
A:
**7:28**
